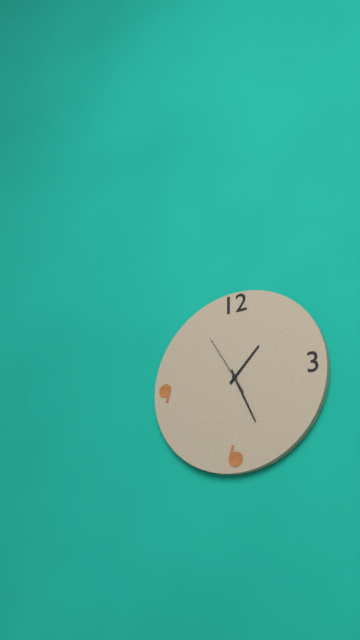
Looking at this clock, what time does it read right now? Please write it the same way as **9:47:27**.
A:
**1:26:55**
